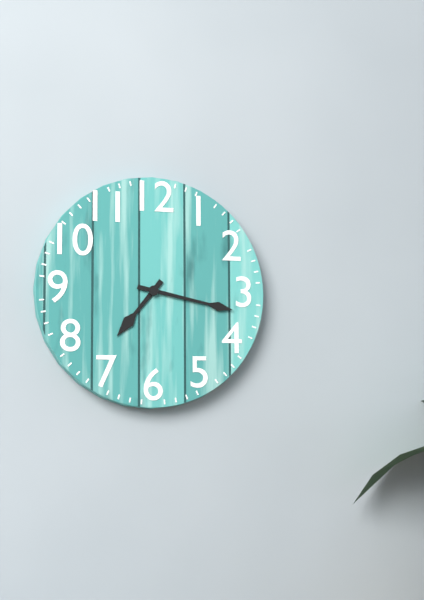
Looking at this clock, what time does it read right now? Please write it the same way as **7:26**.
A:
**7:17**
